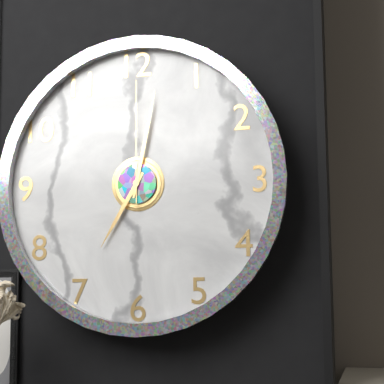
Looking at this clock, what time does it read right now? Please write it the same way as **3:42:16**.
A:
**7:02:00**
